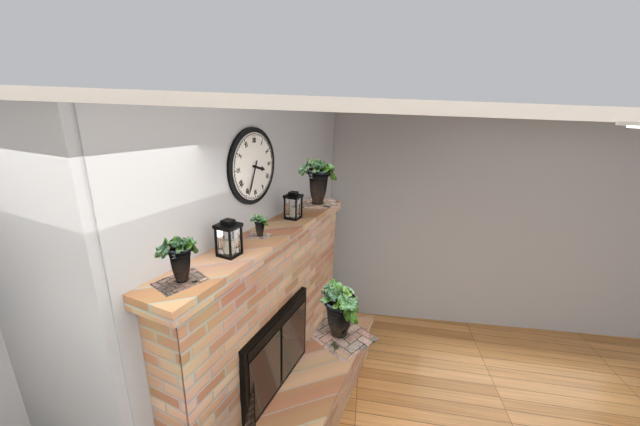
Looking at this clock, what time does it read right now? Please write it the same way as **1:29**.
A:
**3:34**
